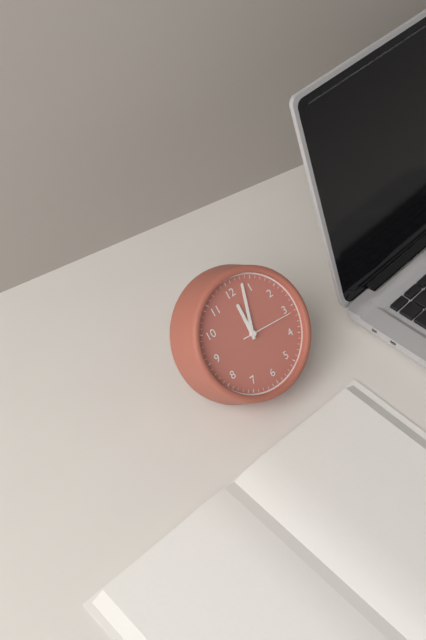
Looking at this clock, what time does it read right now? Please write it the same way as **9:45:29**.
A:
**12:03:16**
